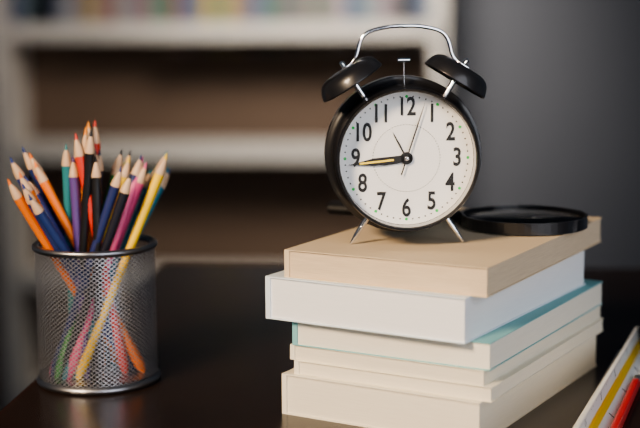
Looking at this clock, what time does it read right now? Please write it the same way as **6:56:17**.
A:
**8:44:03**
